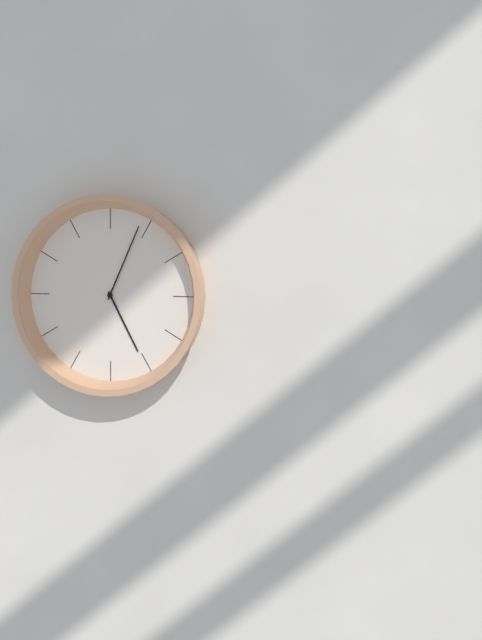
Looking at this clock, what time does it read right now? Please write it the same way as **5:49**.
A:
**5:04**
